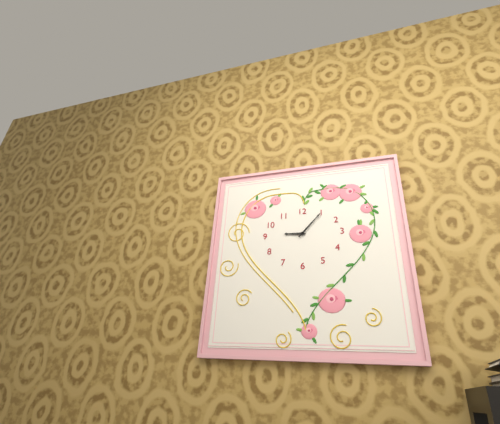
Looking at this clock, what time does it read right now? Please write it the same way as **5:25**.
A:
**9:07**
